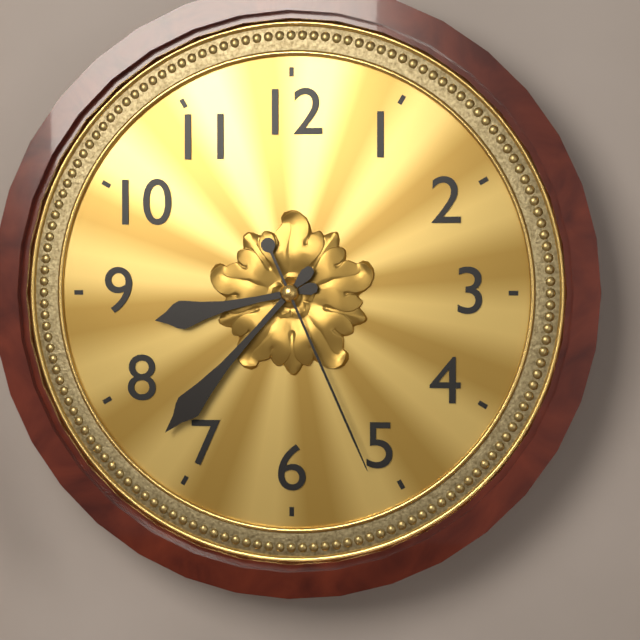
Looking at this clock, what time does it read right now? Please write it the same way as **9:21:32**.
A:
**8:37:26**
